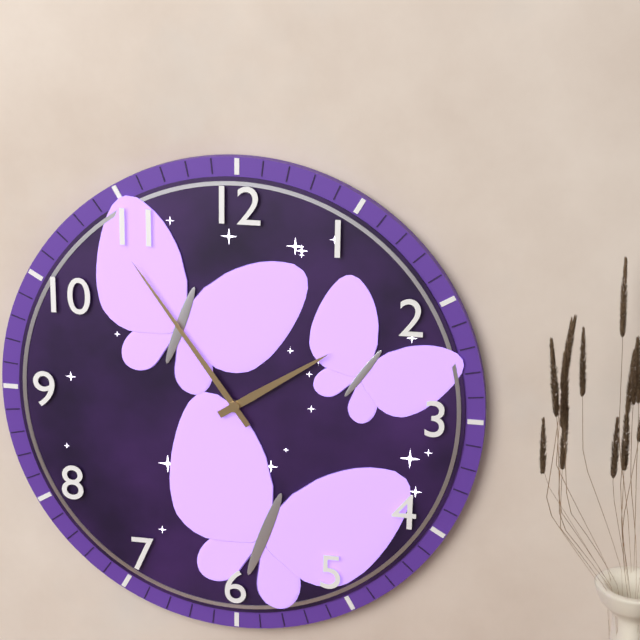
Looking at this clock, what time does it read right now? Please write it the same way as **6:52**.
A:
**1:54**
